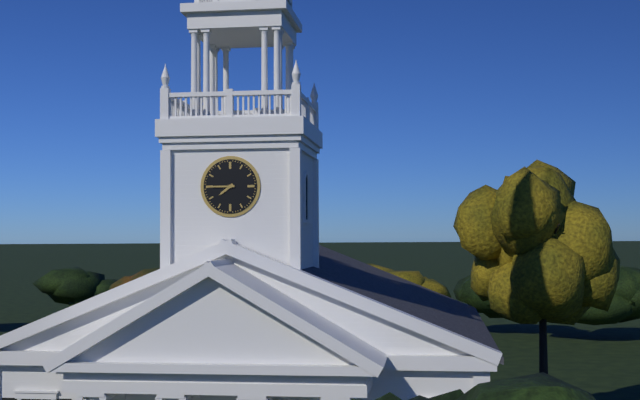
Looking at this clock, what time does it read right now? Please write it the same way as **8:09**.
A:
**7:45**
